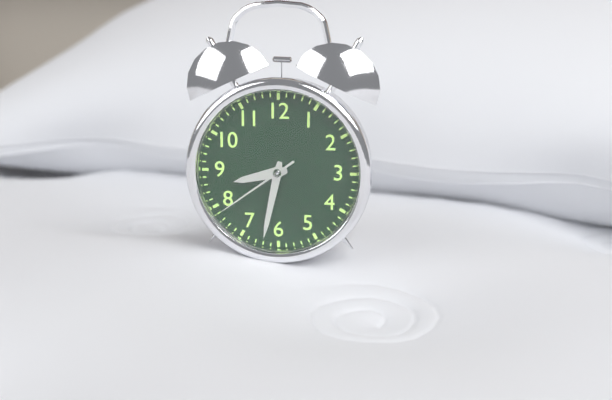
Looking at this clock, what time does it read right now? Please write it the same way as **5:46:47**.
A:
**8:32:39**
